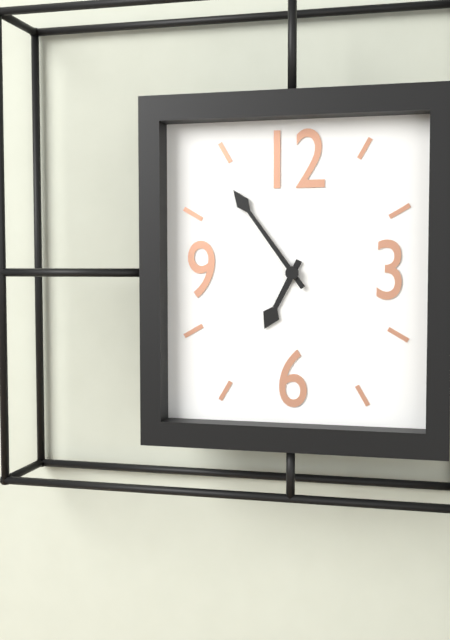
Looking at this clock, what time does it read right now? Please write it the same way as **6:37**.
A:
**6:54**
